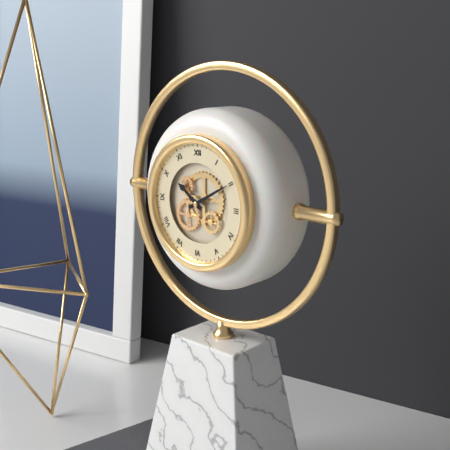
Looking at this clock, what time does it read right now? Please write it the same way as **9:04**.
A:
**10:10**
